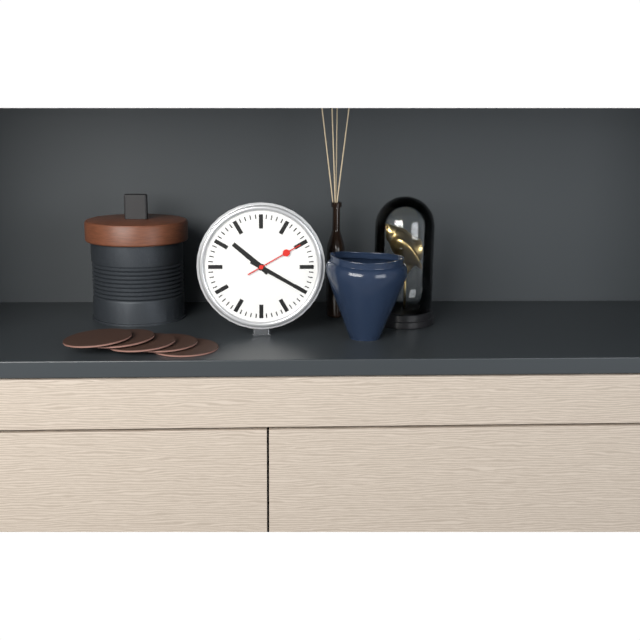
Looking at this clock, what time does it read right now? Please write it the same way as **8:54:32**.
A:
**10:20:10**
